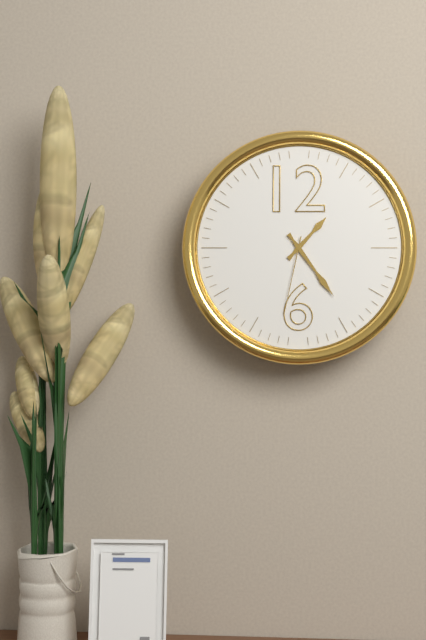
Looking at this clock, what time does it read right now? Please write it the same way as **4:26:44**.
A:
**1:24:32**
